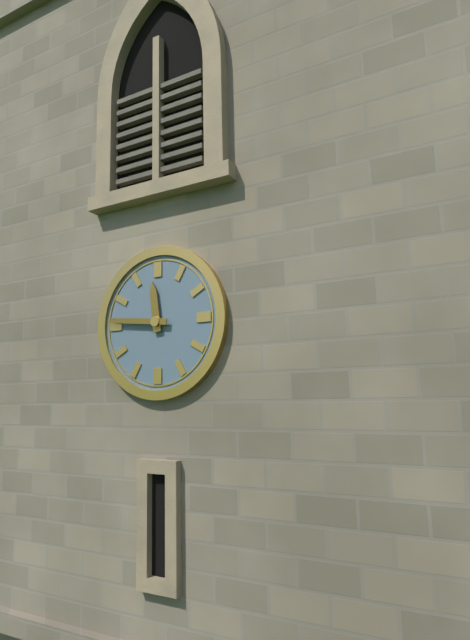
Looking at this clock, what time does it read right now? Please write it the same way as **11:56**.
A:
**11:46**
